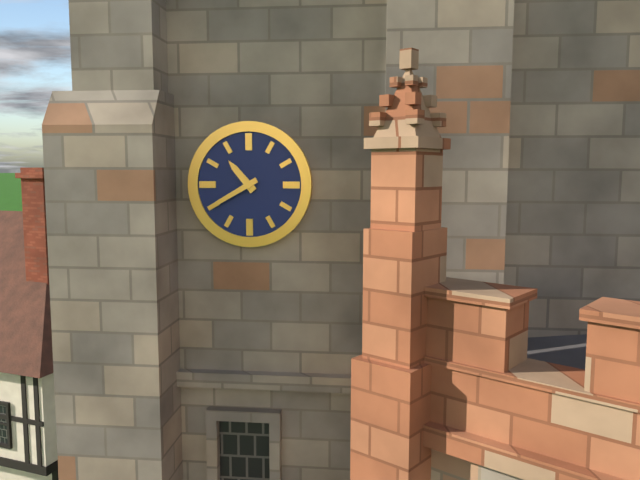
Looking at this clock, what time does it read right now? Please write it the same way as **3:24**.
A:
**10:40**
